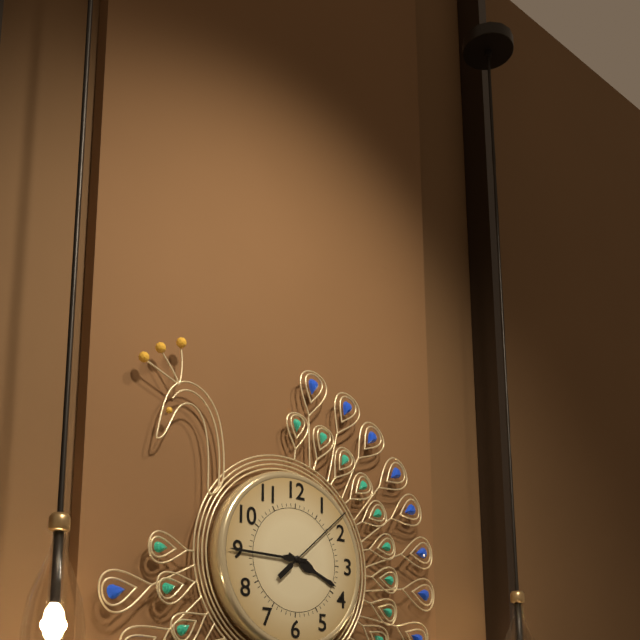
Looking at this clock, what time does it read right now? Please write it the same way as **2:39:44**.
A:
**3:45:08**
